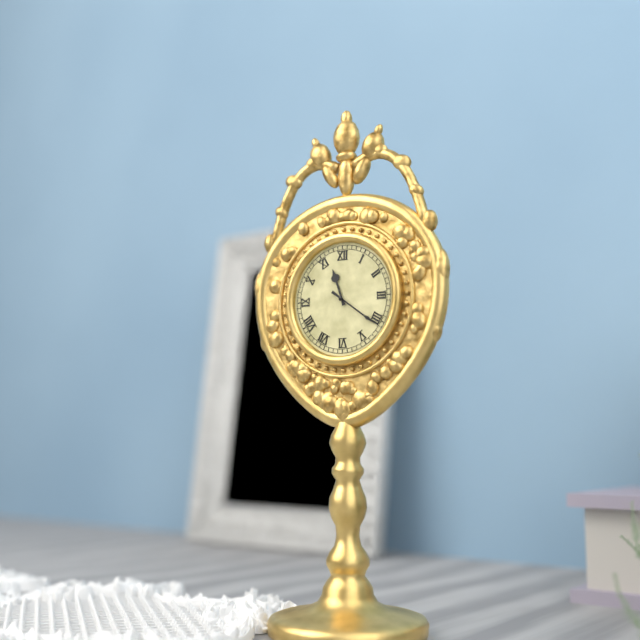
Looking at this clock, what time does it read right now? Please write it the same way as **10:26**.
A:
**11:21**
